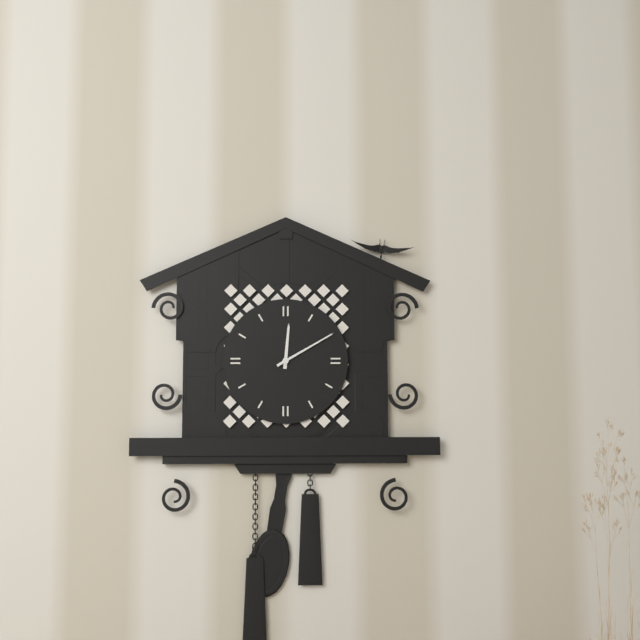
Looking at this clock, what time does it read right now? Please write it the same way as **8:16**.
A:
**12:10**
